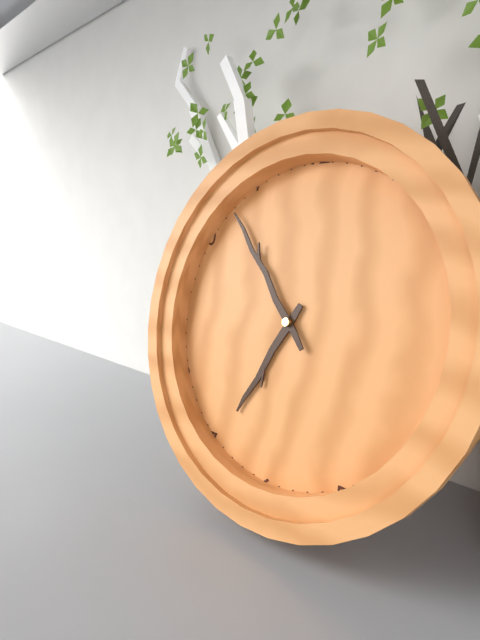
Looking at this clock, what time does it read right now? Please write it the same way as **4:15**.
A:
**6:53**
